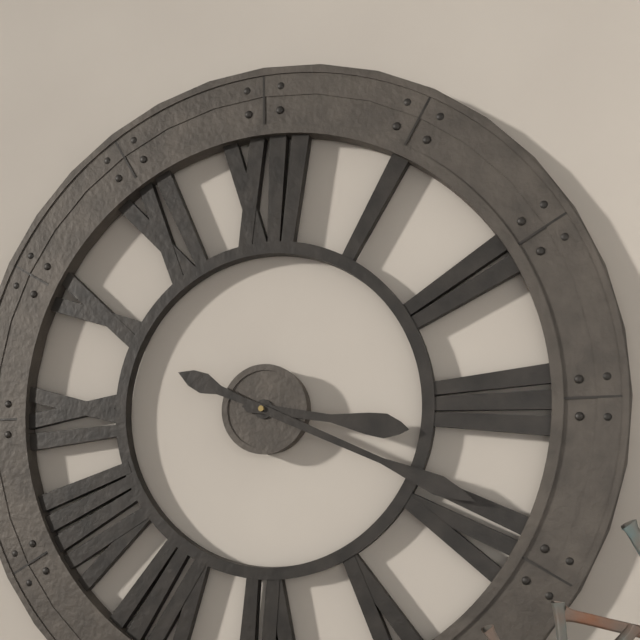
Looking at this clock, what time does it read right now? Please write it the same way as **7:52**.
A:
**3:19**
